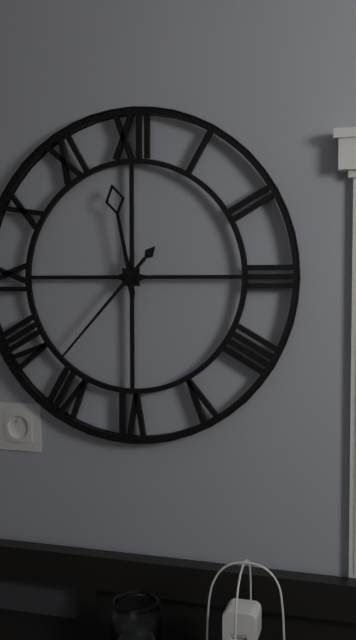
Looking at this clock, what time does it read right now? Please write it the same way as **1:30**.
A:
**11:37**
